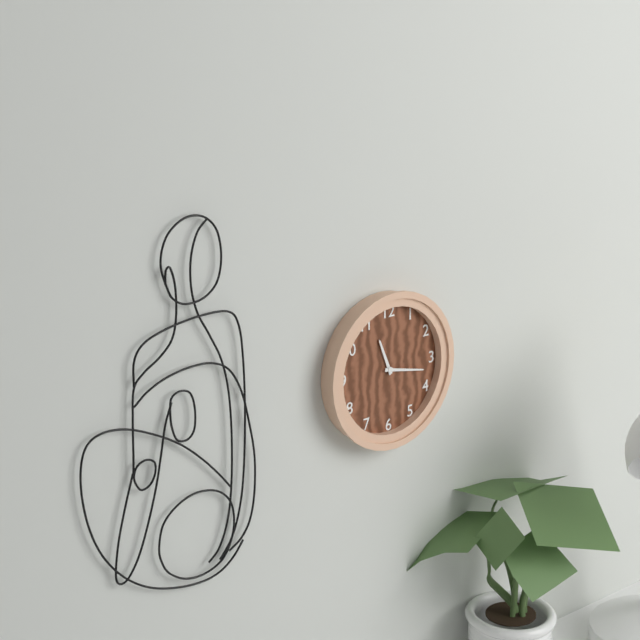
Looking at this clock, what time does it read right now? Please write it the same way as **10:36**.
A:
**11:17**
